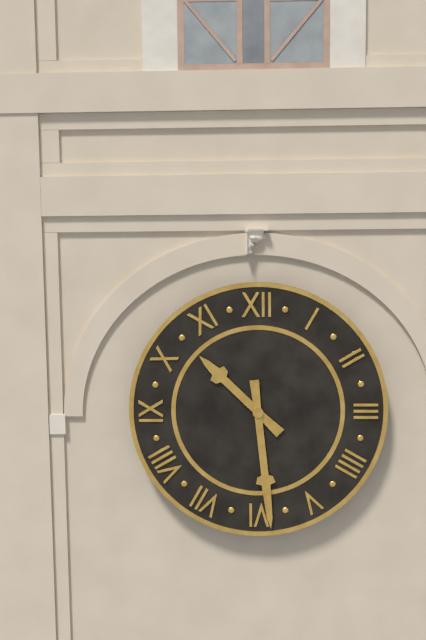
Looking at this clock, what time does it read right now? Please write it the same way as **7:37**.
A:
**10:29**
